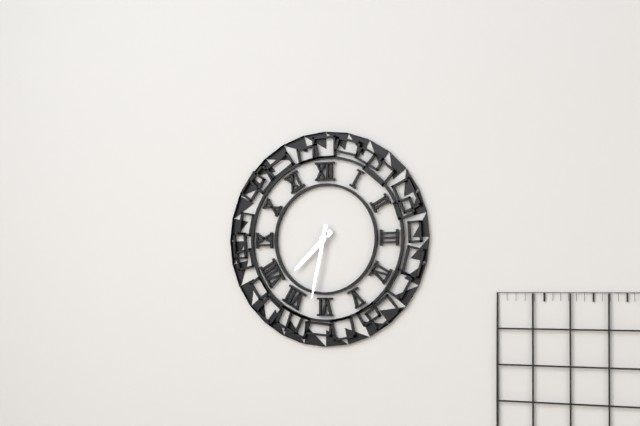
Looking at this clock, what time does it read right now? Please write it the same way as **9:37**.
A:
**7:32**
